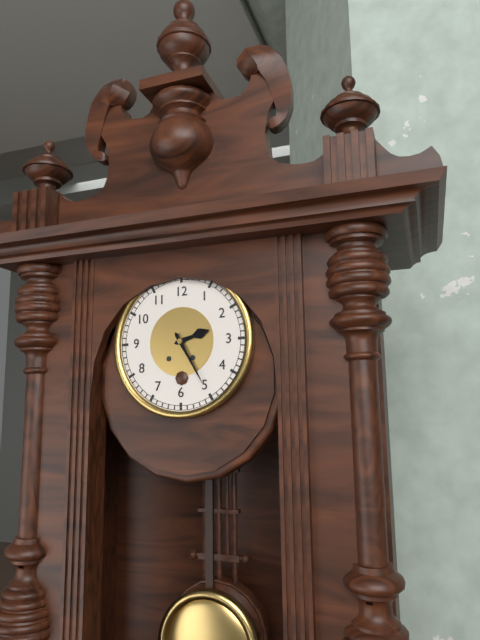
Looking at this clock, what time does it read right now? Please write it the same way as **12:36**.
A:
**2:25**
